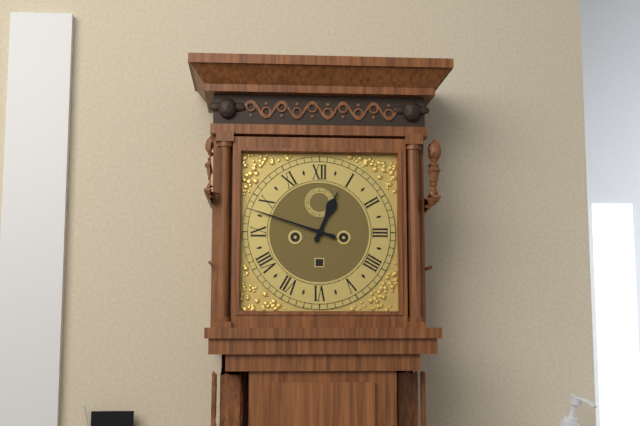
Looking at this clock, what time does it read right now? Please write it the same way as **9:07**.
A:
**12:48**
